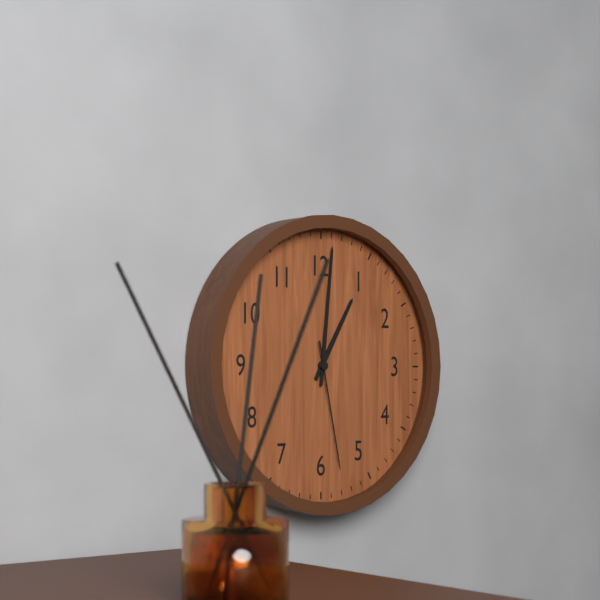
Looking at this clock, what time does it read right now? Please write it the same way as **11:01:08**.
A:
**1:01:28**
